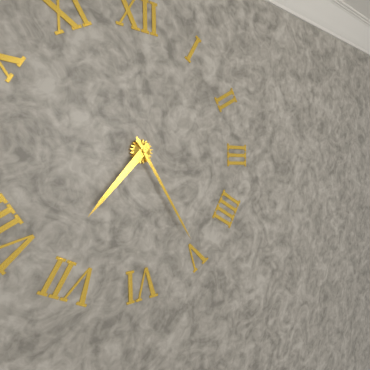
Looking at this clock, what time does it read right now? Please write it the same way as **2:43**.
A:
**7:25**
